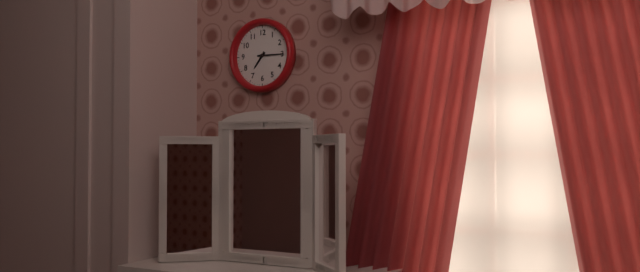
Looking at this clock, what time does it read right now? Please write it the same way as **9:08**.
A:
**7:15**
